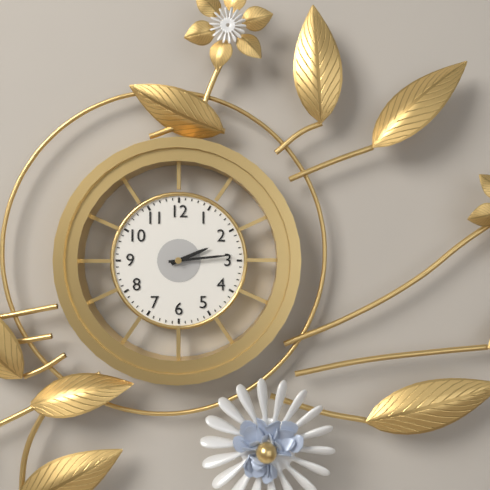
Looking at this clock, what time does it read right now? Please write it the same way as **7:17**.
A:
**2:14**
